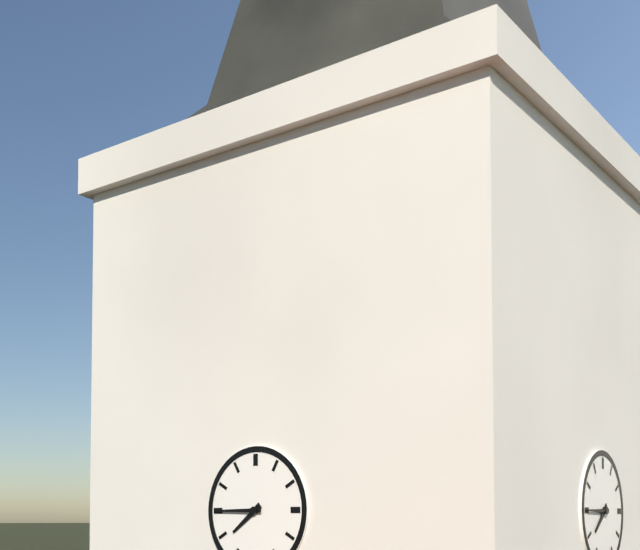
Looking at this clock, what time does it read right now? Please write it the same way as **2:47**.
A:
**7:45**
